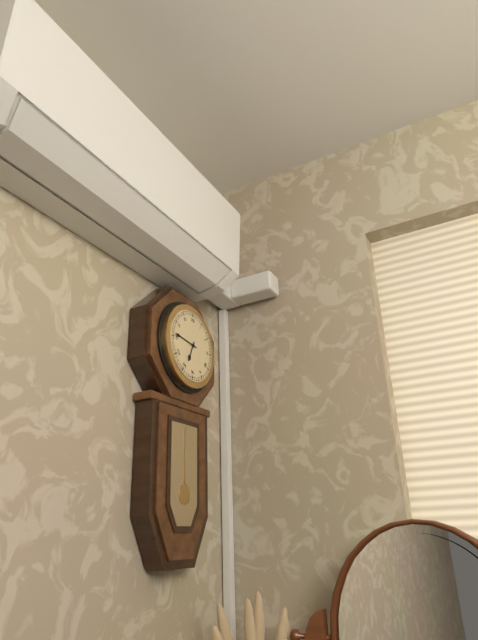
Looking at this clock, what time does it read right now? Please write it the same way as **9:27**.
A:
**6:46**
